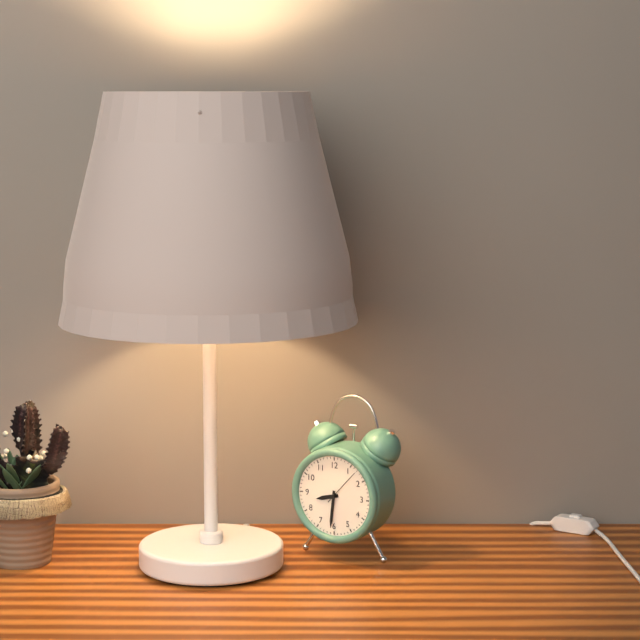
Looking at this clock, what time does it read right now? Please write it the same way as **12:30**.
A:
**8:31**
